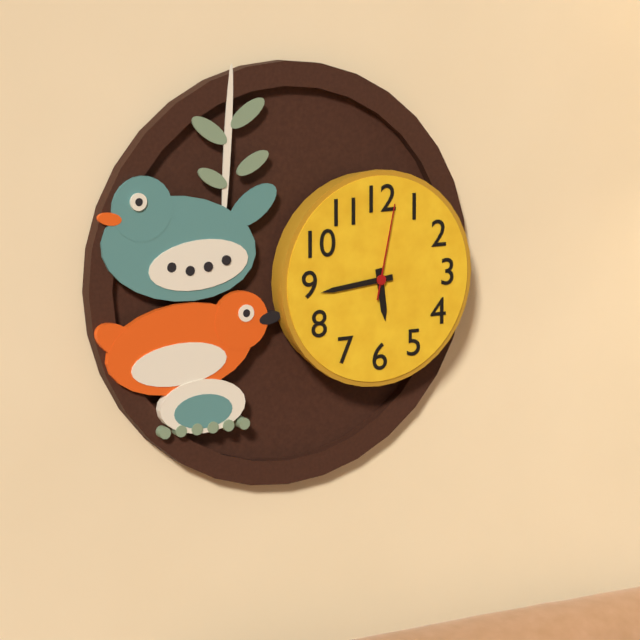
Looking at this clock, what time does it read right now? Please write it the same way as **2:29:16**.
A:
**5:44:02**
